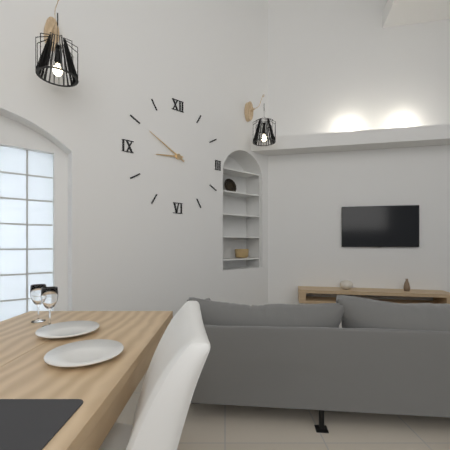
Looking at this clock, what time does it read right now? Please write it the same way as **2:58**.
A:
**8:50**
